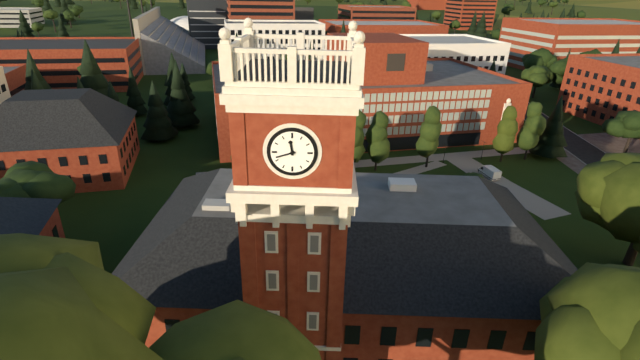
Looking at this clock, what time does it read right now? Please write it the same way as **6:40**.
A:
**11:42**
